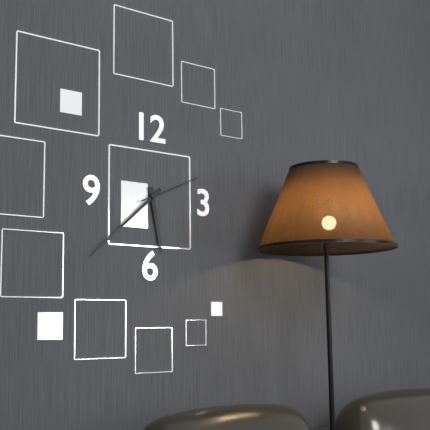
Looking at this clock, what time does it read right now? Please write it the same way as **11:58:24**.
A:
**5:38:11**
